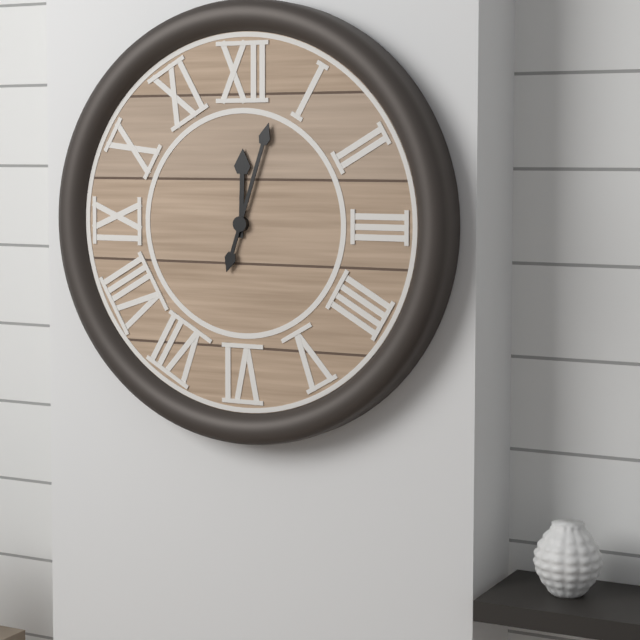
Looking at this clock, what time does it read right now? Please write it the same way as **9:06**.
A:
**12:03**
